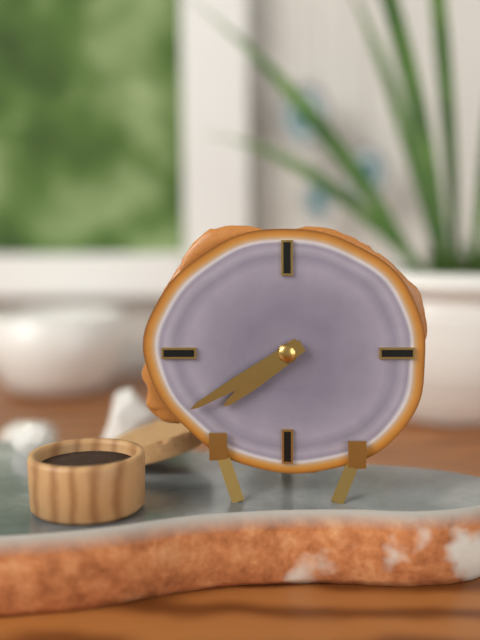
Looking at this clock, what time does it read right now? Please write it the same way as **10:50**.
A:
**7:40**
